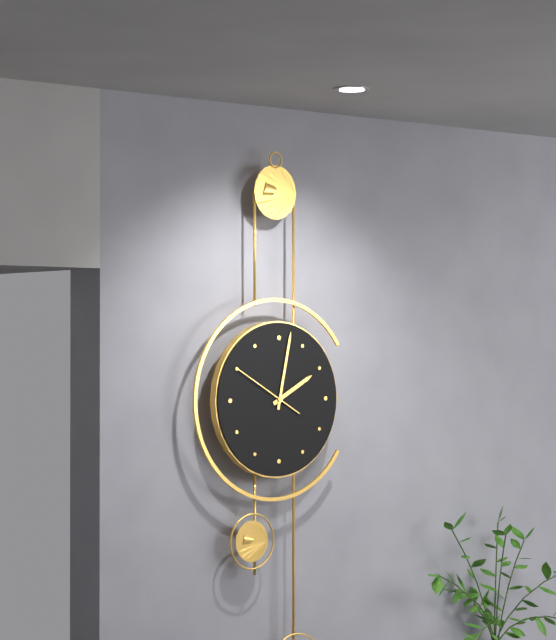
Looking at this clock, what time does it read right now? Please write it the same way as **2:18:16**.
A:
**2:02:50**
